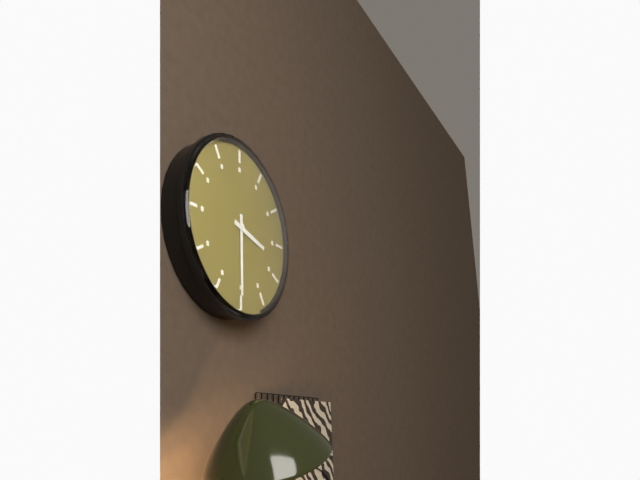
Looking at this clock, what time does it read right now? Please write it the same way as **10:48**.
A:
**3:30**
